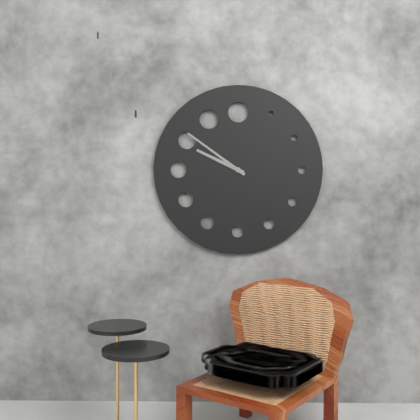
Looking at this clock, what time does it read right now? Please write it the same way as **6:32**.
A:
**9:51**
